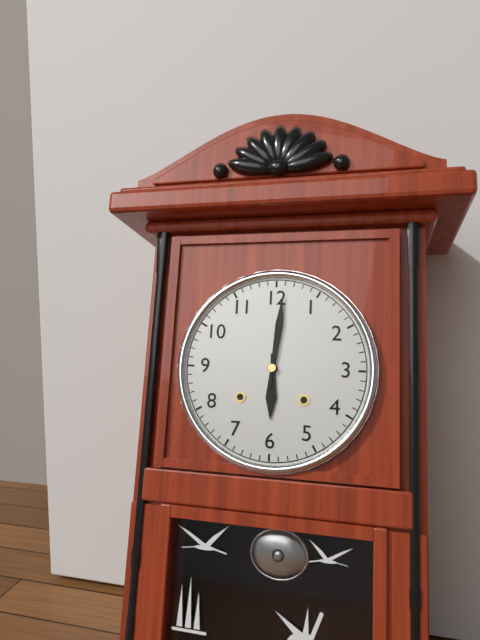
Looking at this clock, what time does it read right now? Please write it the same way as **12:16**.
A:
**6:01**
